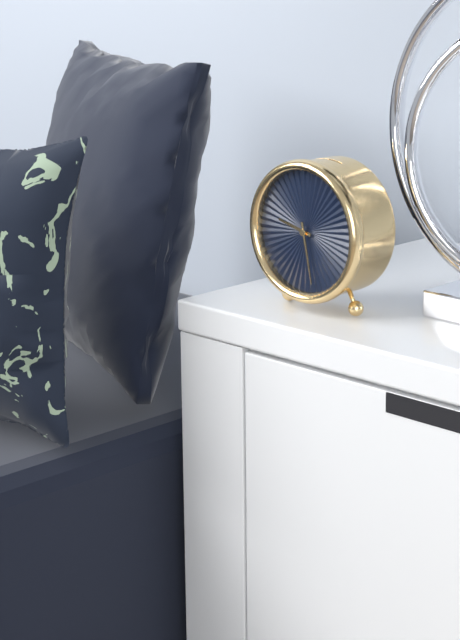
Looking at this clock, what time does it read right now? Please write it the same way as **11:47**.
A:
**9:28**
